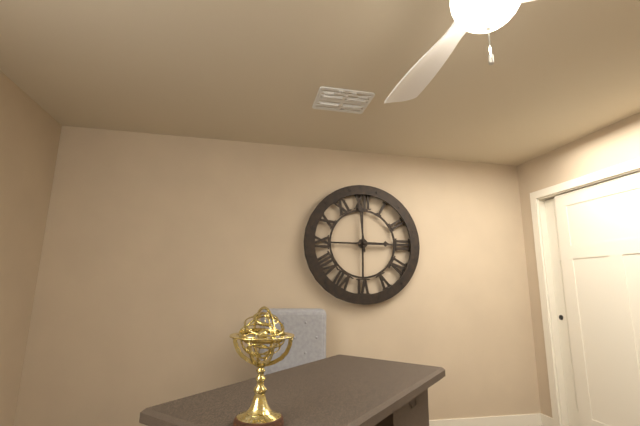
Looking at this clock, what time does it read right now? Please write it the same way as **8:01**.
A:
**2:59**
